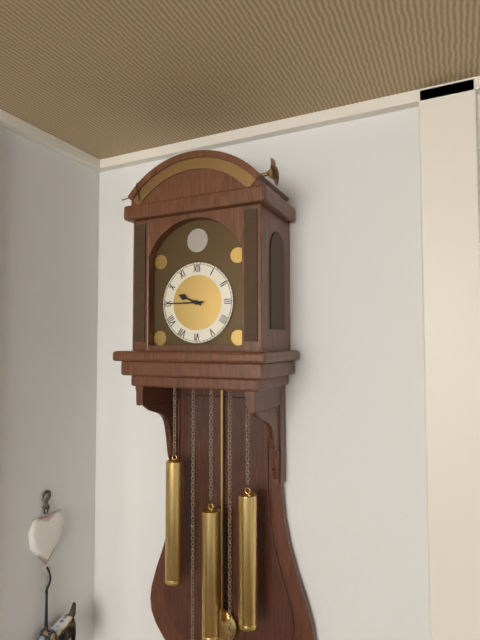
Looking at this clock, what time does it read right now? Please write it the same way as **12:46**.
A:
**9:45**
